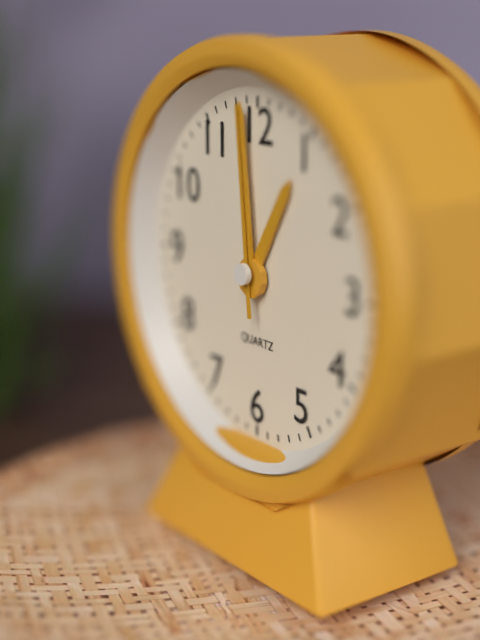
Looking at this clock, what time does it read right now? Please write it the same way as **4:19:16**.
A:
**12:59:59**
